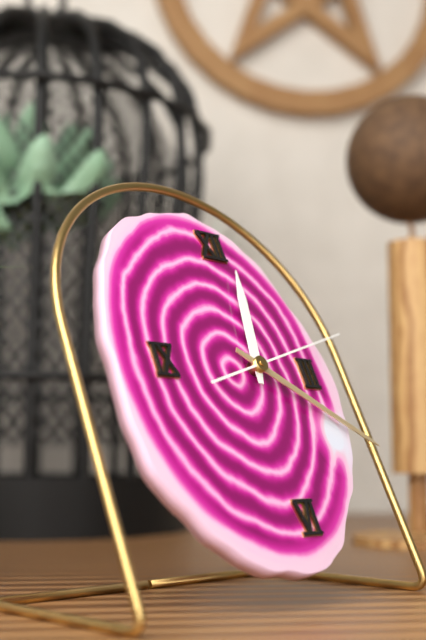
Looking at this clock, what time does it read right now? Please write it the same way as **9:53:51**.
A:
**12:20:12**
